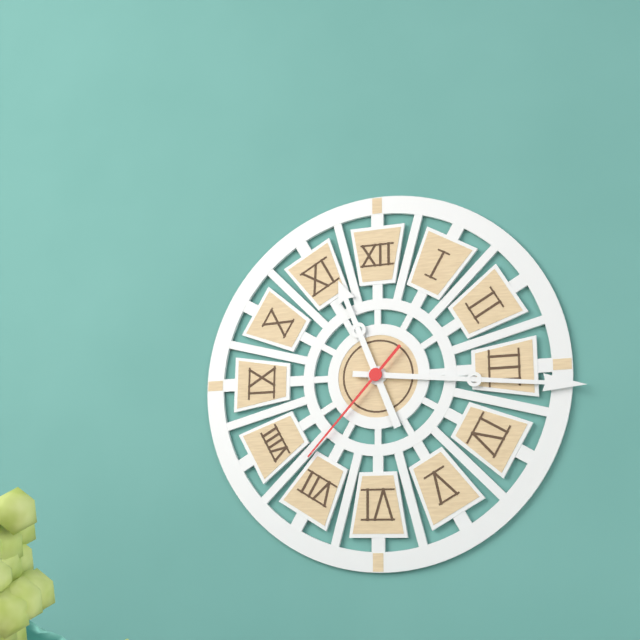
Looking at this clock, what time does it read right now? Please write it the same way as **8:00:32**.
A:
**11:16:37**
